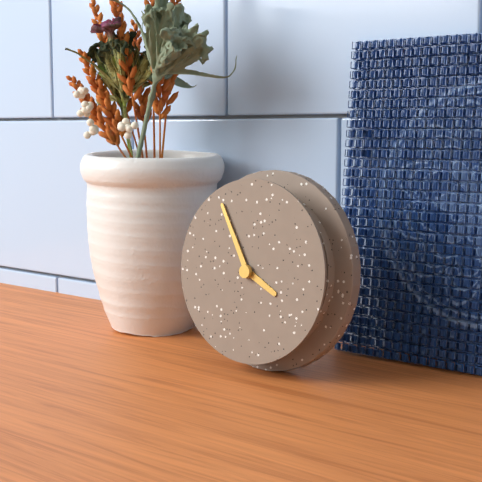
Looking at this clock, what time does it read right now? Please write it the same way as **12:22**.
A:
**3:55**
